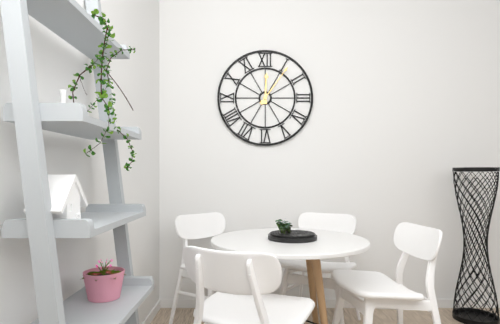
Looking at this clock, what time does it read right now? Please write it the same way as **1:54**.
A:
**12:06**
